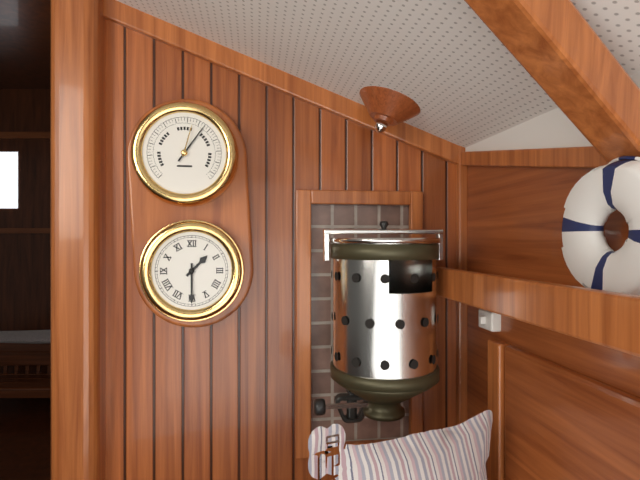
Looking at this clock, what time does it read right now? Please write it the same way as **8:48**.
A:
**1:30**
